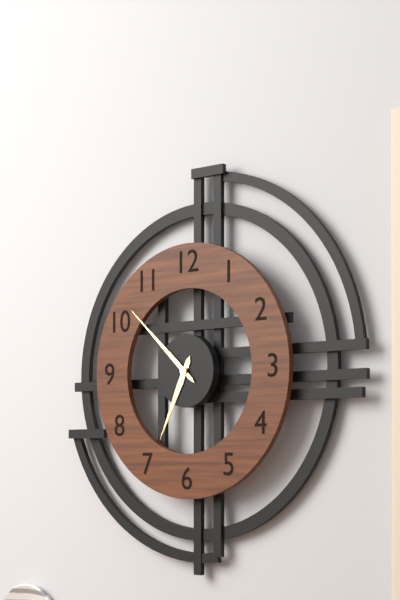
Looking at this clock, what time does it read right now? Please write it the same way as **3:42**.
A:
**6:52**
